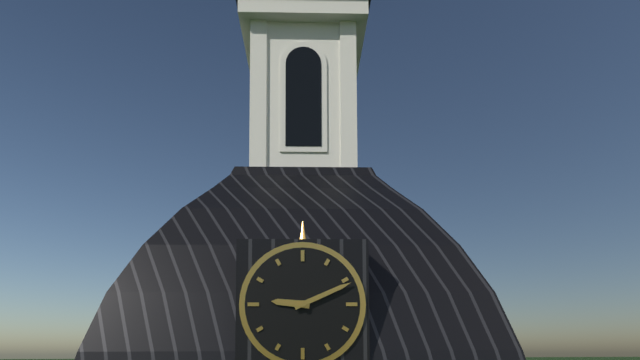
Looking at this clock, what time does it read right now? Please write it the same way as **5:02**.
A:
**9:11**
